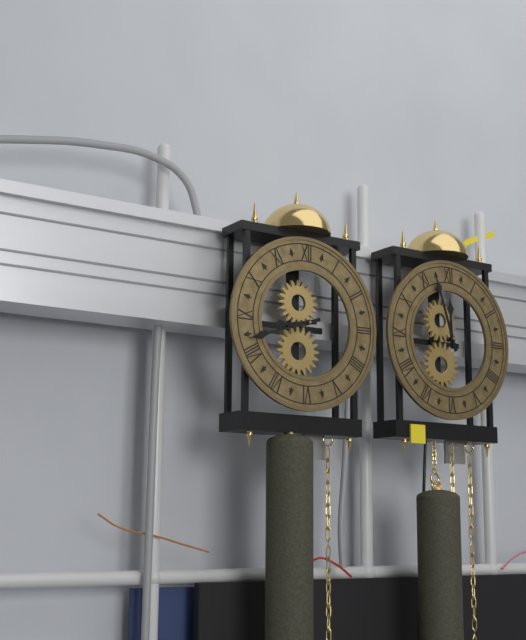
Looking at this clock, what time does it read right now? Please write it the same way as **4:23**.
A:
**8:42**
